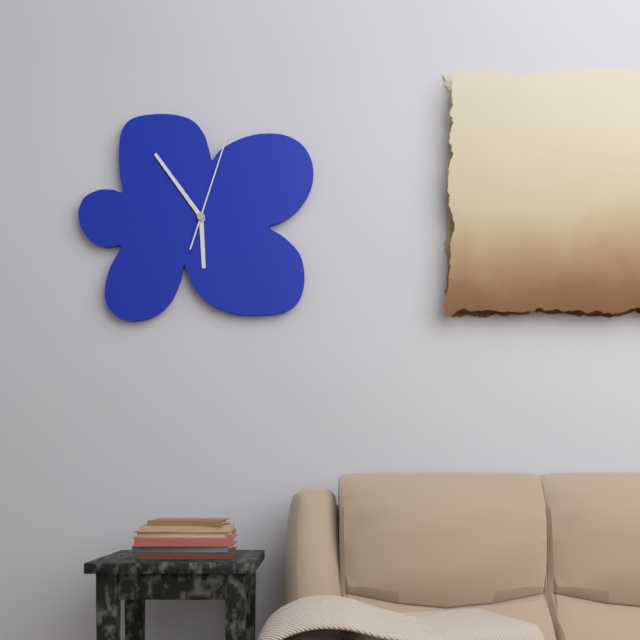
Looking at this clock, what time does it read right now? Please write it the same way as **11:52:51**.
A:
**5:54:03**
